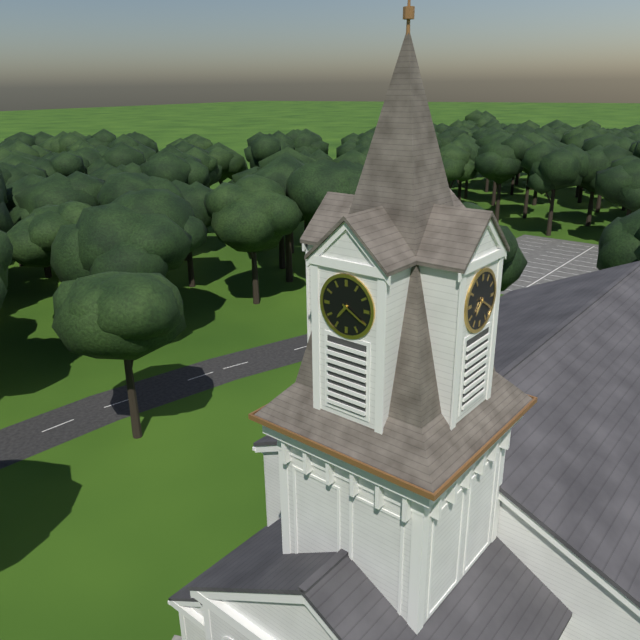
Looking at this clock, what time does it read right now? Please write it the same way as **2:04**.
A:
**7:20**
